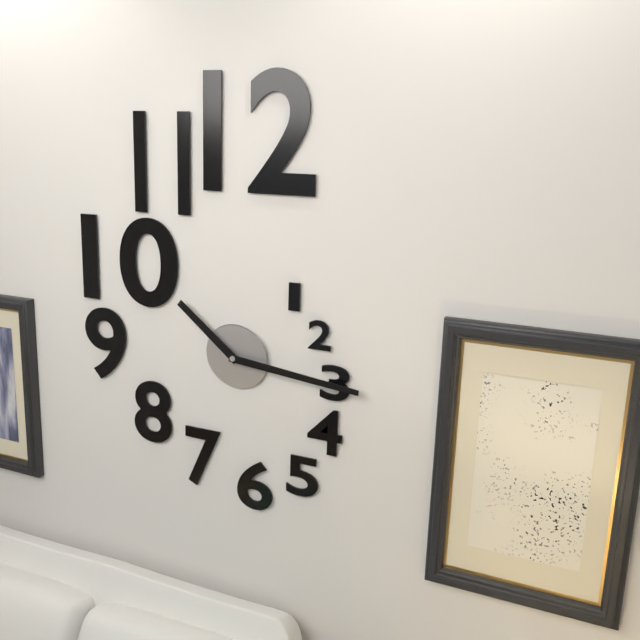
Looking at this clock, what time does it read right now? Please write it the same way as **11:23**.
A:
**10:16**
